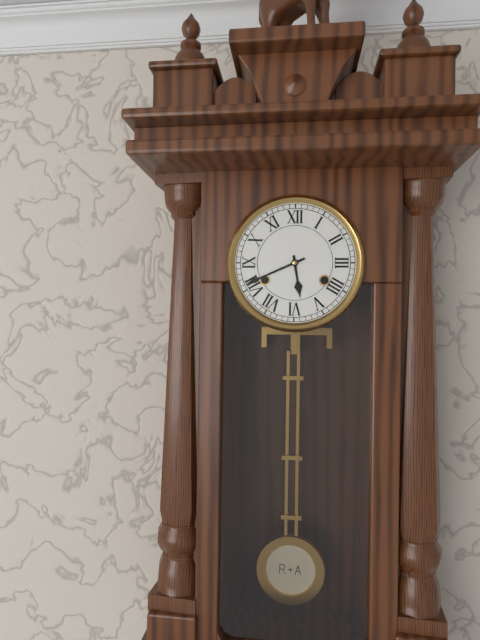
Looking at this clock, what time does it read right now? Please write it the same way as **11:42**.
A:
**5:41**
